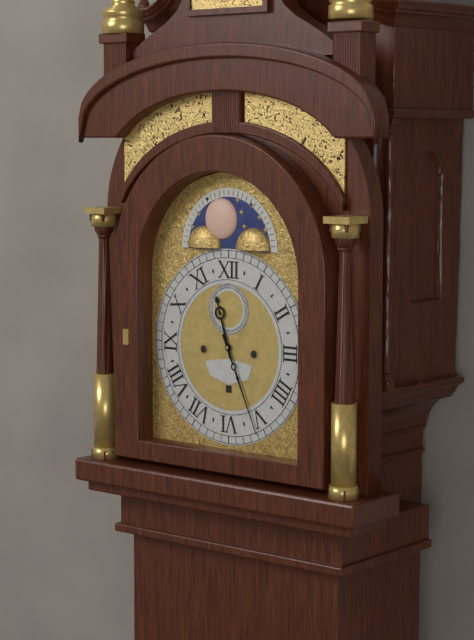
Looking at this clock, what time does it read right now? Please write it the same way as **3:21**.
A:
**11:26**
